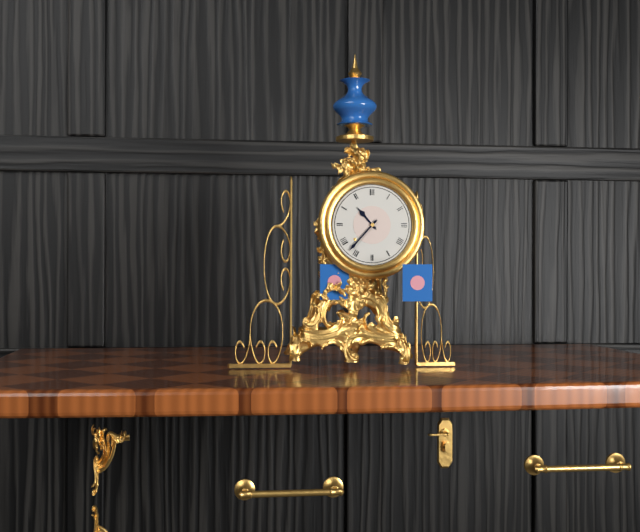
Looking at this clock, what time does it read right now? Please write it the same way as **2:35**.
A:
**10:37**
